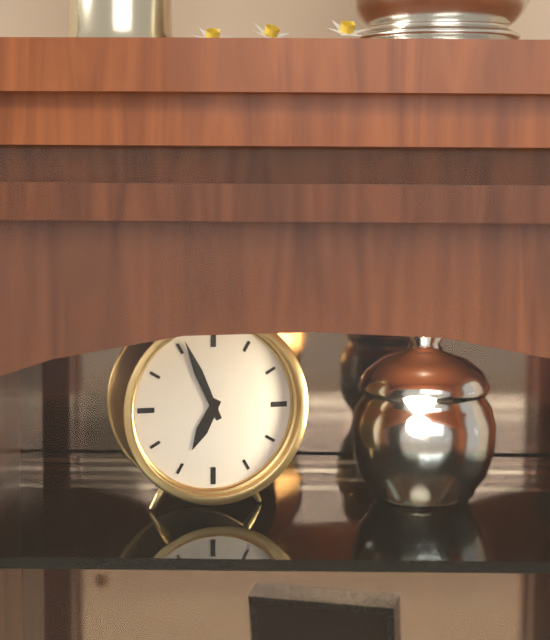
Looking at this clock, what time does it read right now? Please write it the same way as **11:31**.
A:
**6:56**
